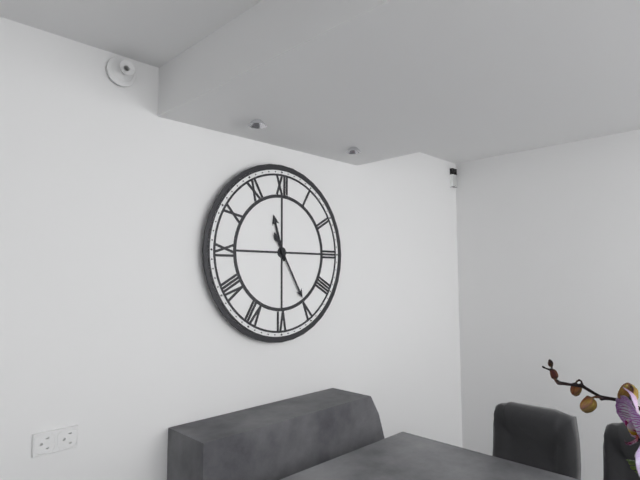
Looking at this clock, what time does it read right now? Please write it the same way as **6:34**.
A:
**11:25**
